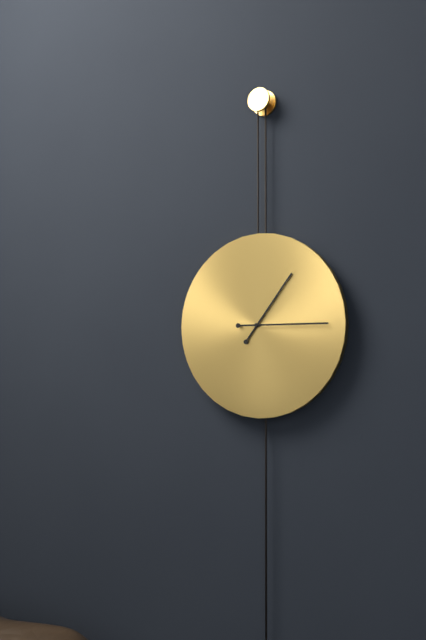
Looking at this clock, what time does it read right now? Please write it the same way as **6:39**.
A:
**1:15**
